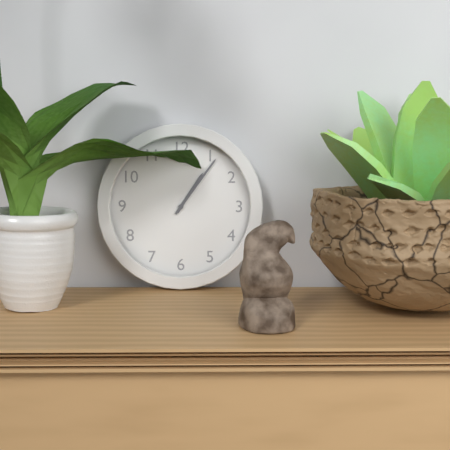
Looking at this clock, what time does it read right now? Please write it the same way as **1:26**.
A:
**1:06**
